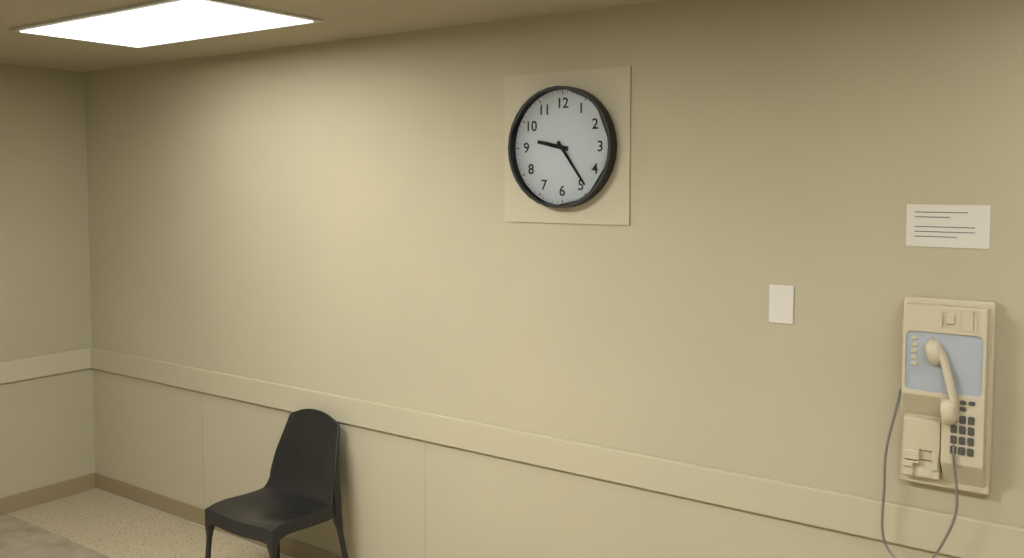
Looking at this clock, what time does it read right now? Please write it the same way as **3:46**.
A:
**9:24**
